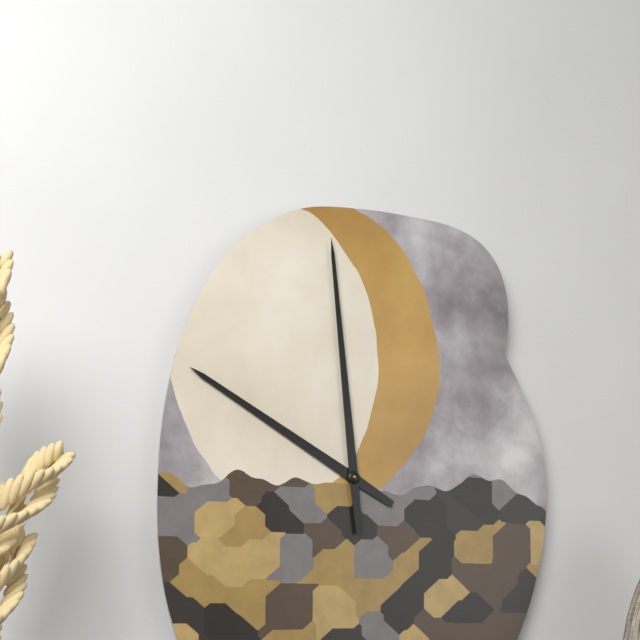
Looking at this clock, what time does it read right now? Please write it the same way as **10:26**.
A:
**9:59**
